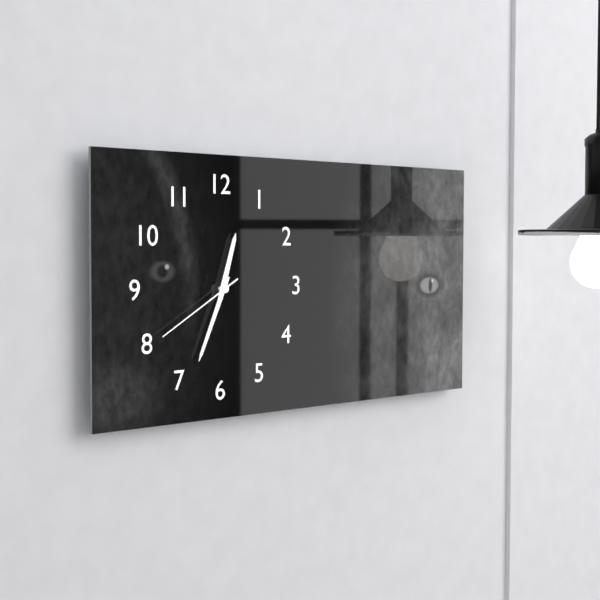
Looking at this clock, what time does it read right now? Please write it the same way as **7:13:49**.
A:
**12:34:40**
